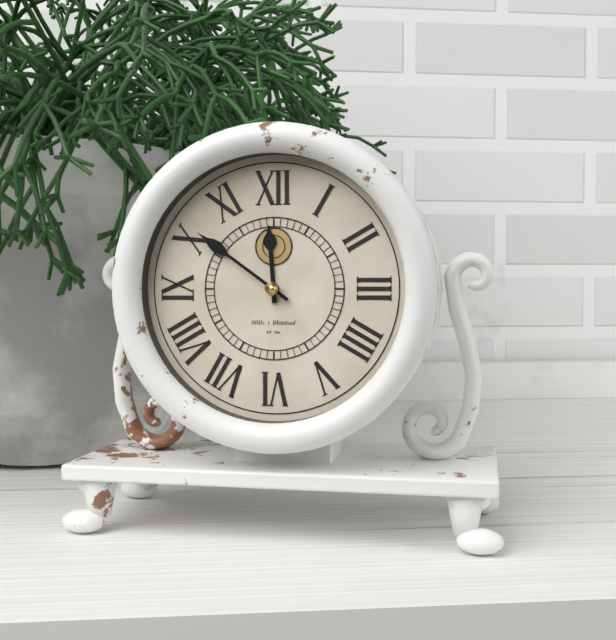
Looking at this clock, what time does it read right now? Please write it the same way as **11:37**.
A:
**11:51**
